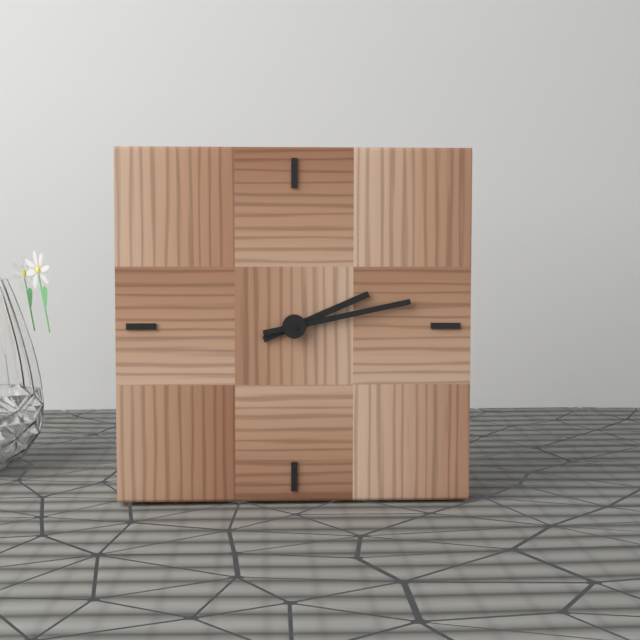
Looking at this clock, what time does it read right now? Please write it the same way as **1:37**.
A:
**2:13**
